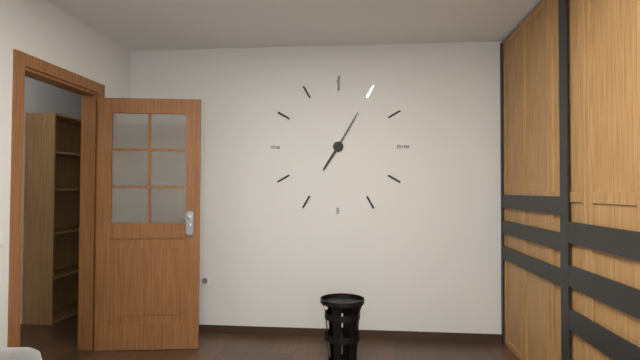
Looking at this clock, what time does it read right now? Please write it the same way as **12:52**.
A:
**7:05**
